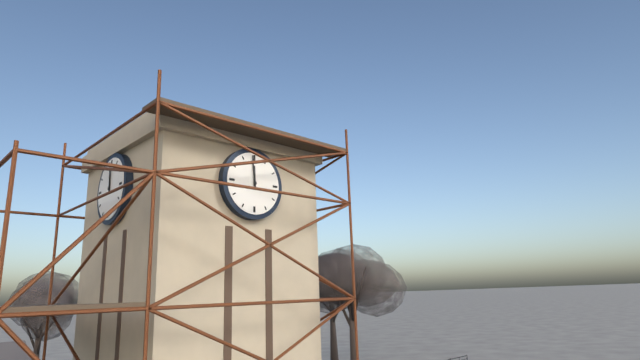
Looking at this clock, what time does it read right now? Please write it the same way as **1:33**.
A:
**11:59**
